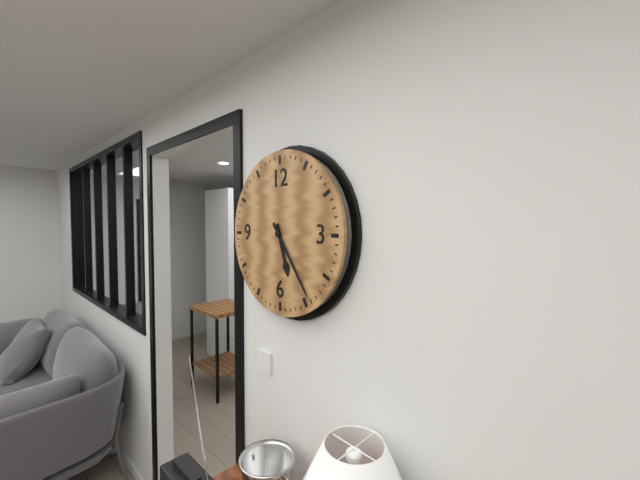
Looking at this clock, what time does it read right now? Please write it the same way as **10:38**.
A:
**5:24**
